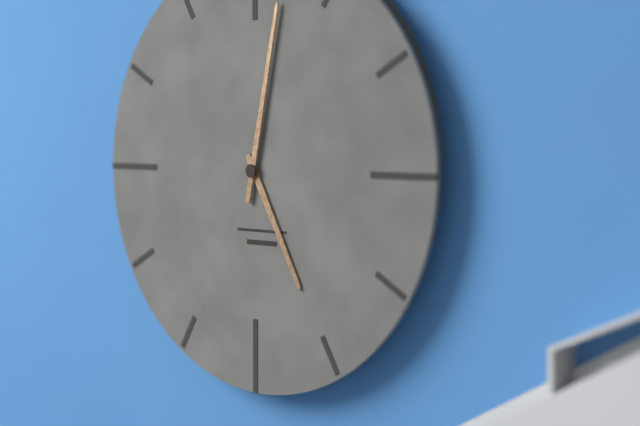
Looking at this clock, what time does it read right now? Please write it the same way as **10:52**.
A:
**5:02**
